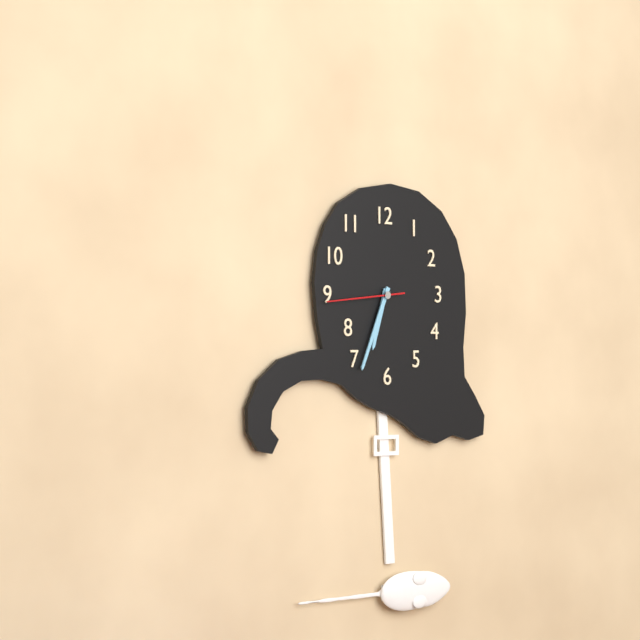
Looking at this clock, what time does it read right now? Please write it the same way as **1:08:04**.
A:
**6:34:44**
